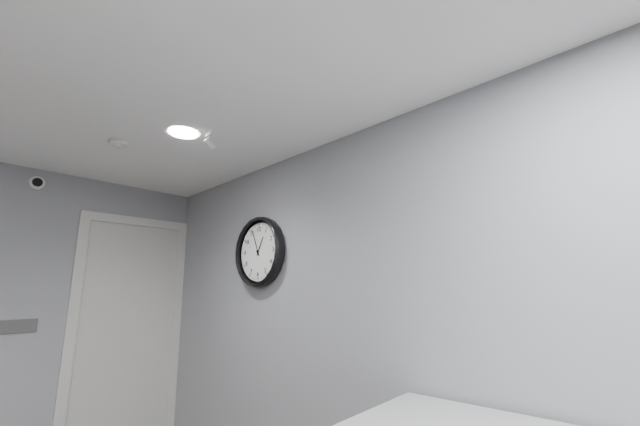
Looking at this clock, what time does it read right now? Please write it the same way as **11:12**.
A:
**12:56**
